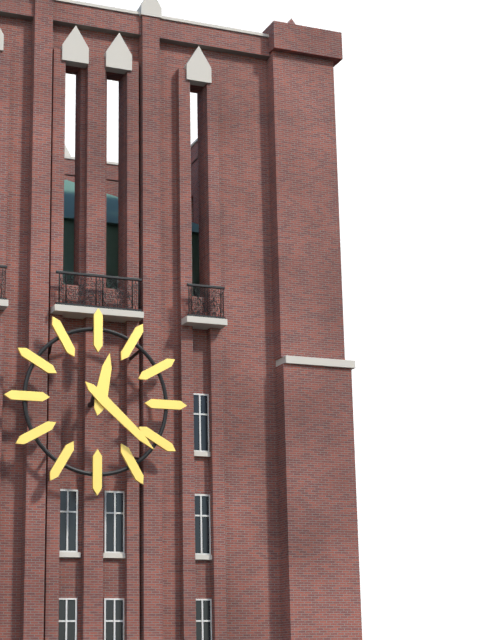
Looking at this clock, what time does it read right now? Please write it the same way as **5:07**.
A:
**12:22**
